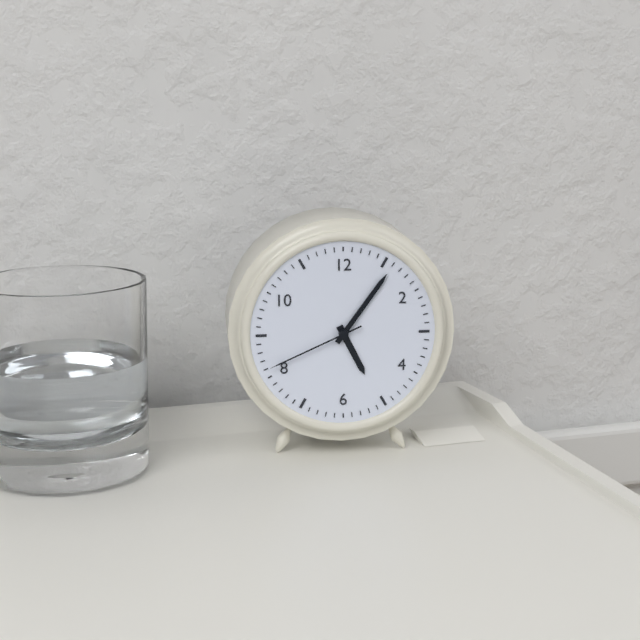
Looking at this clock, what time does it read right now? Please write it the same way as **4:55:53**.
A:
**5:06:41**
